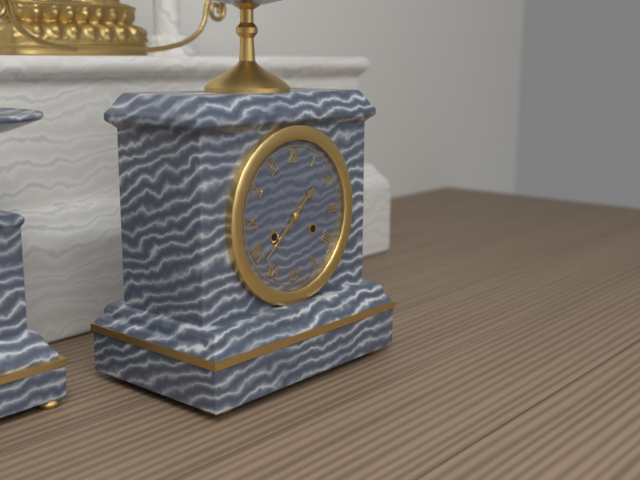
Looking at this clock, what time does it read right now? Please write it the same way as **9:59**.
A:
**1:38**
